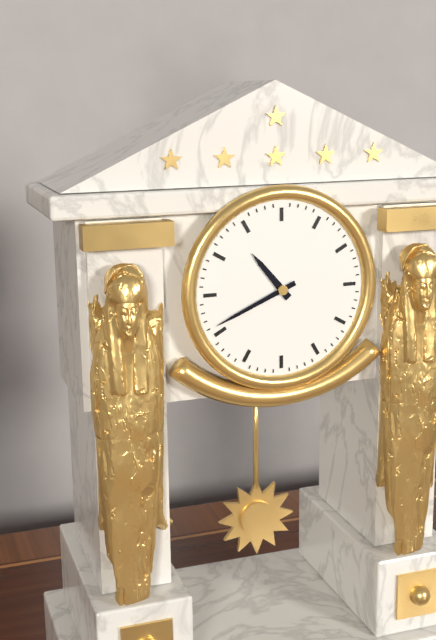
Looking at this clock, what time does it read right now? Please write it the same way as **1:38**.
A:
**10:41**
